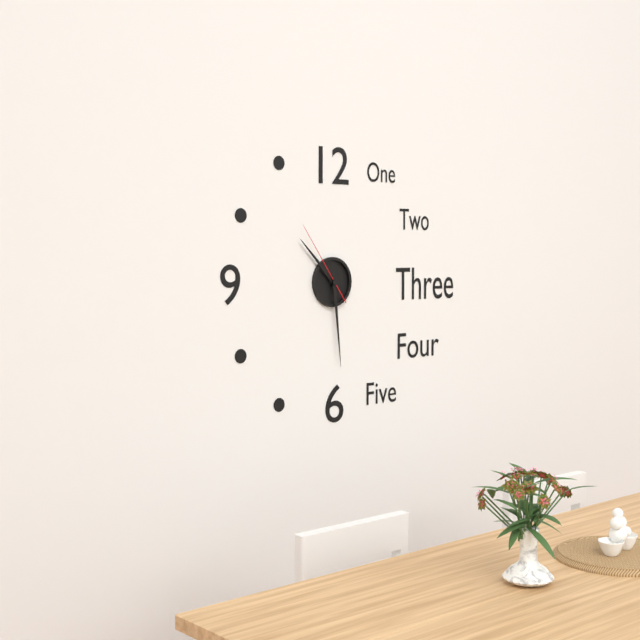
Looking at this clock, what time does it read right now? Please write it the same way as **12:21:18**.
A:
**10:29:54**
